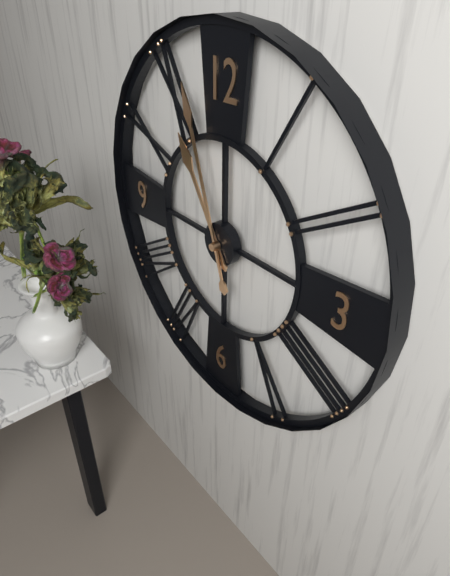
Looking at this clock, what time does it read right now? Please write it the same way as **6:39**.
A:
**10:57**
